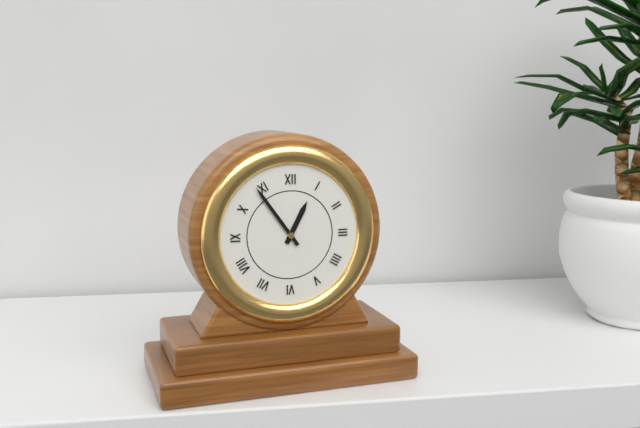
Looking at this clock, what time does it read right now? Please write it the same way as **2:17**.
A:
**12:54**
